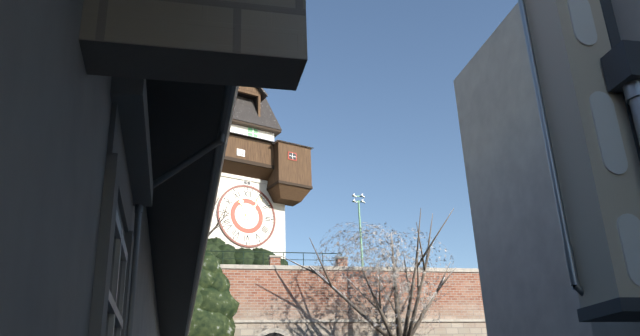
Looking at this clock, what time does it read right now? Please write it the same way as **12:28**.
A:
**11:06**
